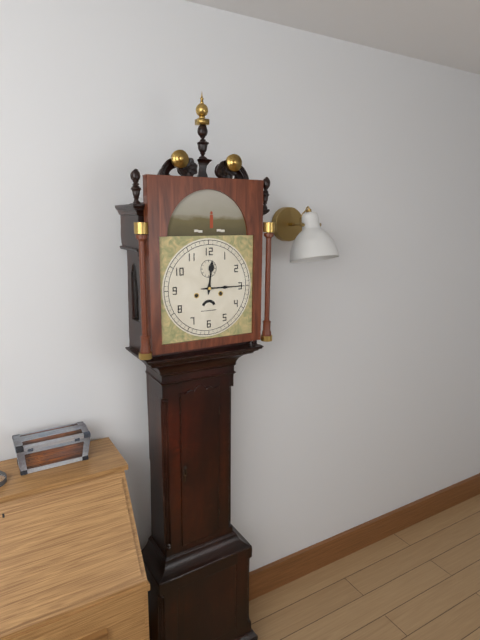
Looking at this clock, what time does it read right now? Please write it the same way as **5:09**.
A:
**12:15**
